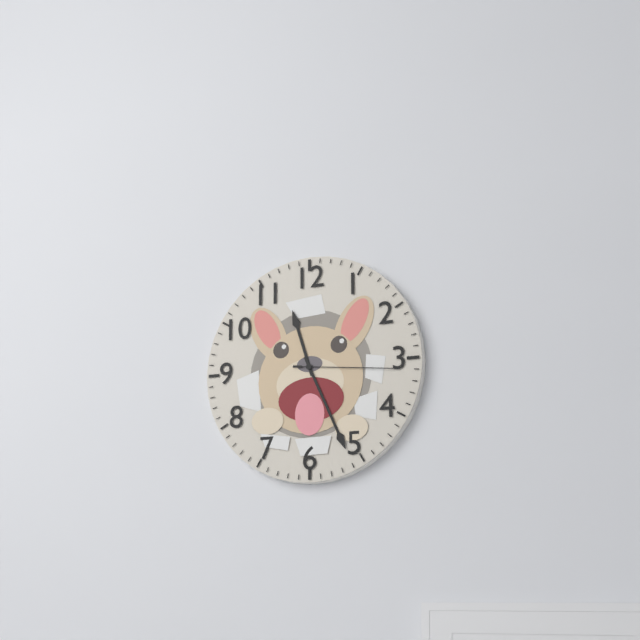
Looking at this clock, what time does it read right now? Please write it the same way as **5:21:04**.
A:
**11:26:16**
